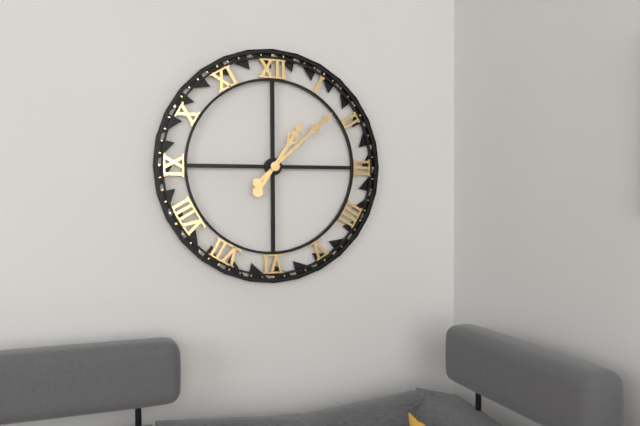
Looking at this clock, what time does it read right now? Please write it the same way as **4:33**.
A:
**1:08**
